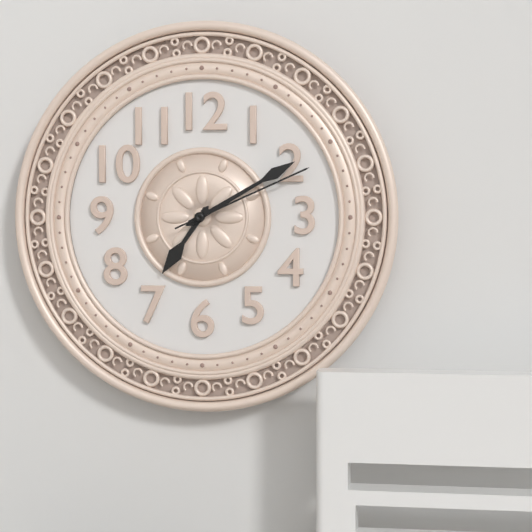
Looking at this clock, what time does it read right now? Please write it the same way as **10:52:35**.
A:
**7:10:11**
